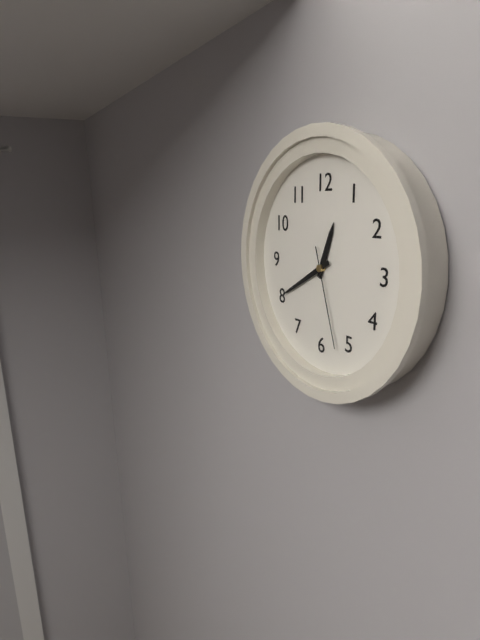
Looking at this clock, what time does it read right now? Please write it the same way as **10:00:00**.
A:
**12:40:27**
